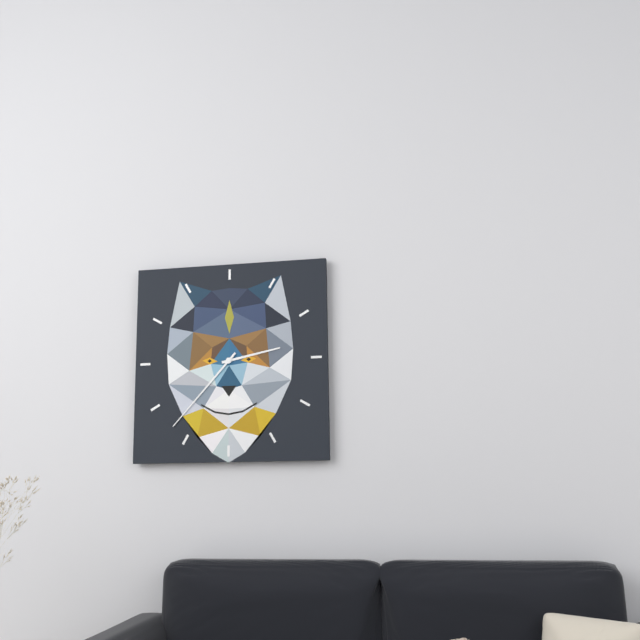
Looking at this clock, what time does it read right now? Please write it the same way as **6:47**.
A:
**2:37**
